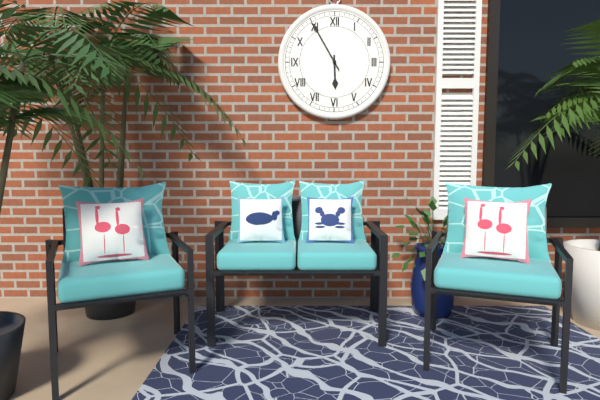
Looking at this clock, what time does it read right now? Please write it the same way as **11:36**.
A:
**5:55**
